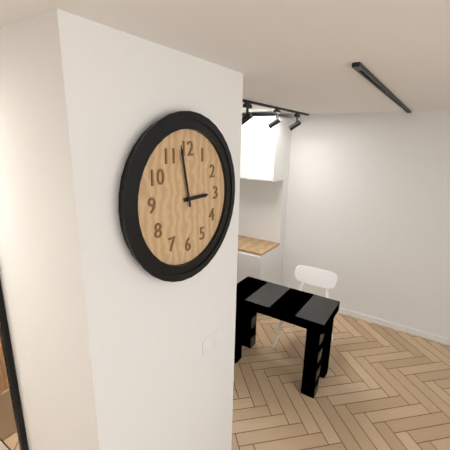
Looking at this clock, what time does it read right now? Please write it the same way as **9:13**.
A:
**2:58**
